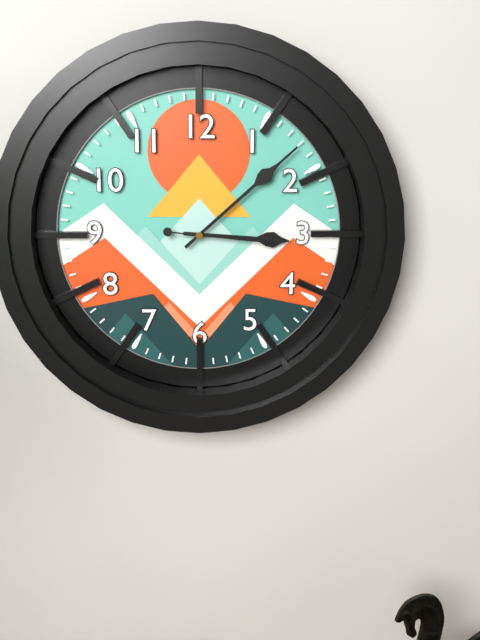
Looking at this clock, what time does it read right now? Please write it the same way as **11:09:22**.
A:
**3:08:16**
